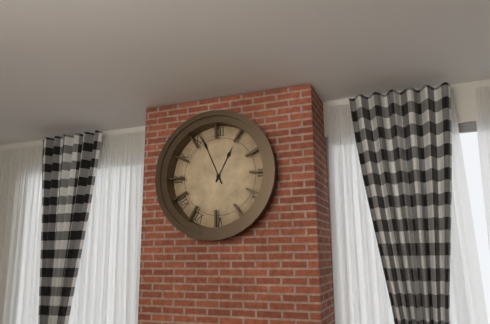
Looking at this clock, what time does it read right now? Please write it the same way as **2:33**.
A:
**12:56**
